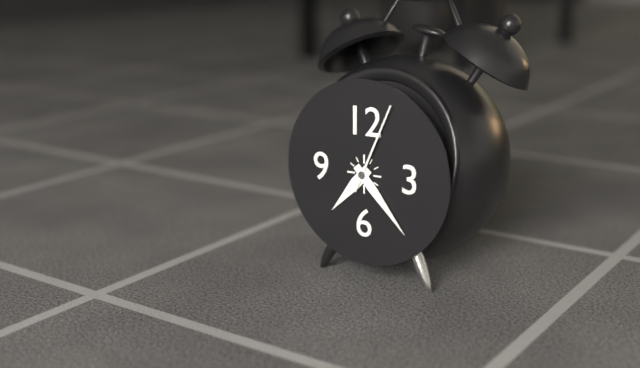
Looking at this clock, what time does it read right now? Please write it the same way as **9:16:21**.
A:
**7:23:04**
